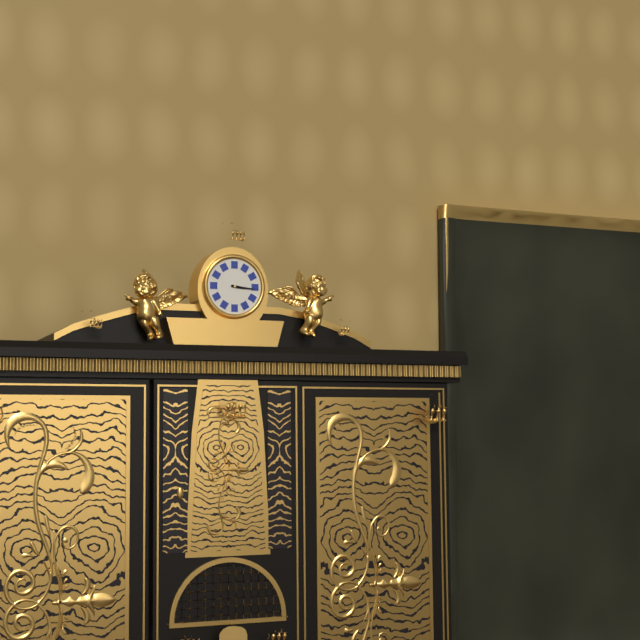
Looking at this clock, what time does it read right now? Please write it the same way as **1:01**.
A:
**3:16**
